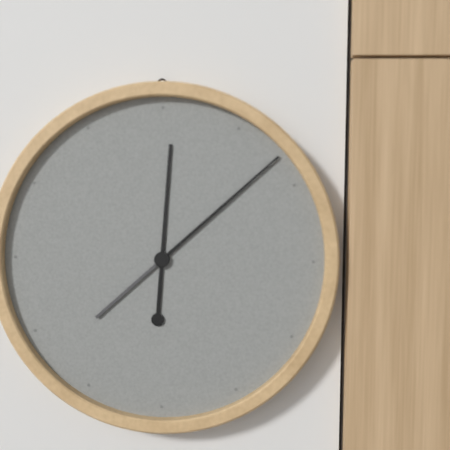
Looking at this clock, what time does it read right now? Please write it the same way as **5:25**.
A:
**12:08**
